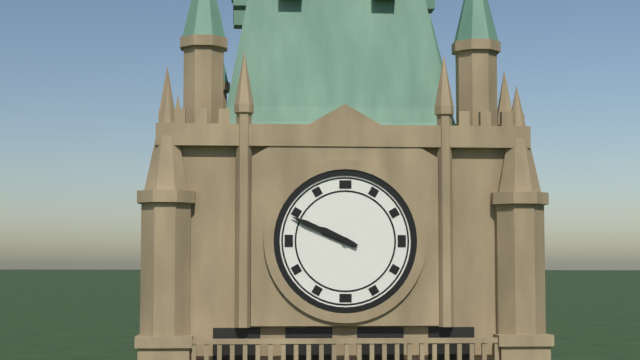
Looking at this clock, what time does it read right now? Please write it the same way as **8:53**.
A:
**9:49**
